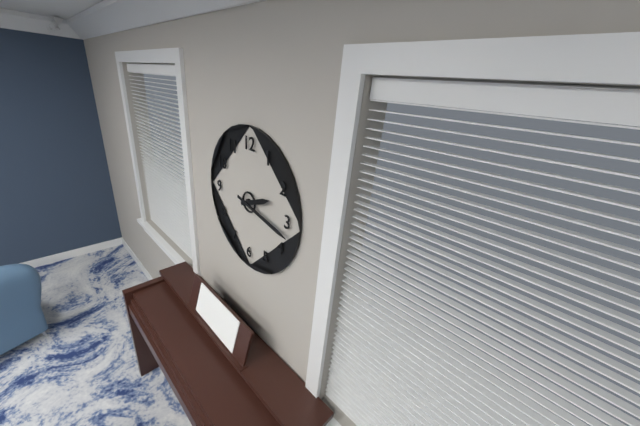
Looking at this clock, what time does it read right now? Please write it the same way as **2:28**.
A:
**2:17**
